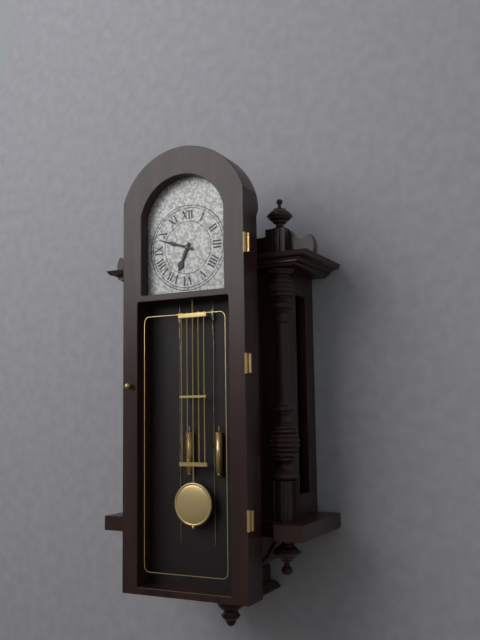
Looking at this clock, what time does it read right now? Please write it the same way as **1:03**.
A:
**6:48**
